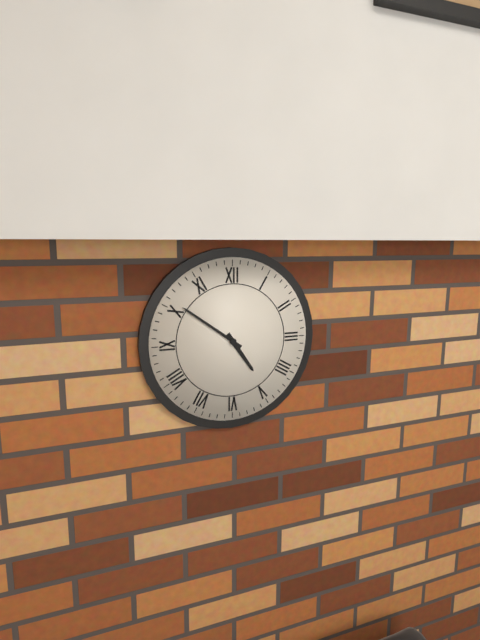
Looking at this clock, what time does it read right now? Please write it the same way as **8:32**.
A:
**4:51**
